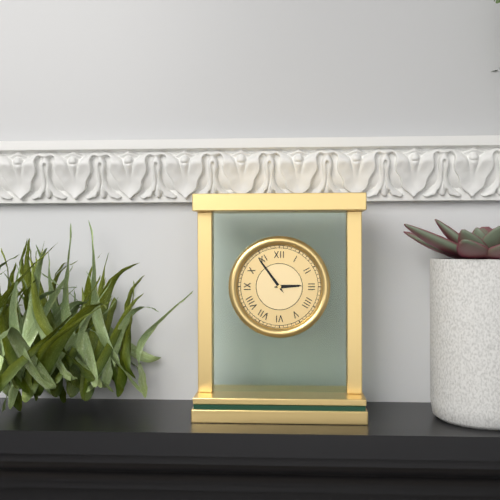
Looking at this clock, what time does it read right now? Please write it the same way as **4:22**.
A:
**2:54**
